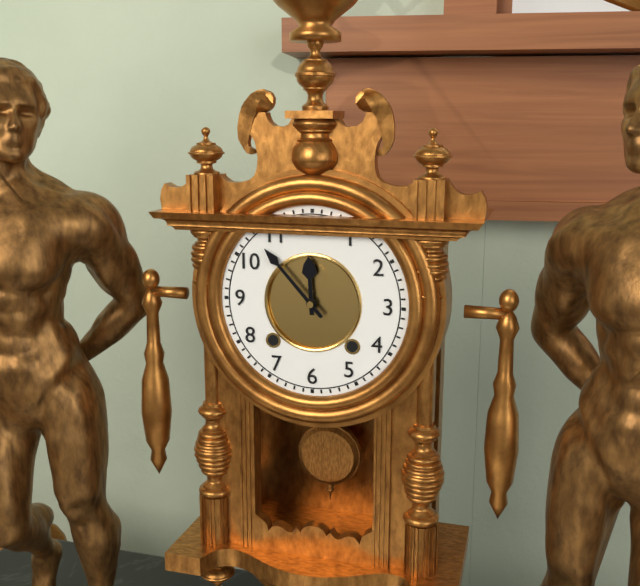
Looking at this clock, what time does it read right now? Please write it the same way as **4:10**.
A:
**11:53**
